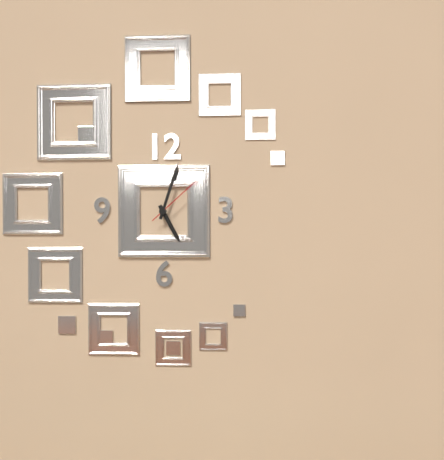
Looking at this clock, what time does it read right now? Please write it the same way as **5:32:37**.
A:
**5:03:08**
